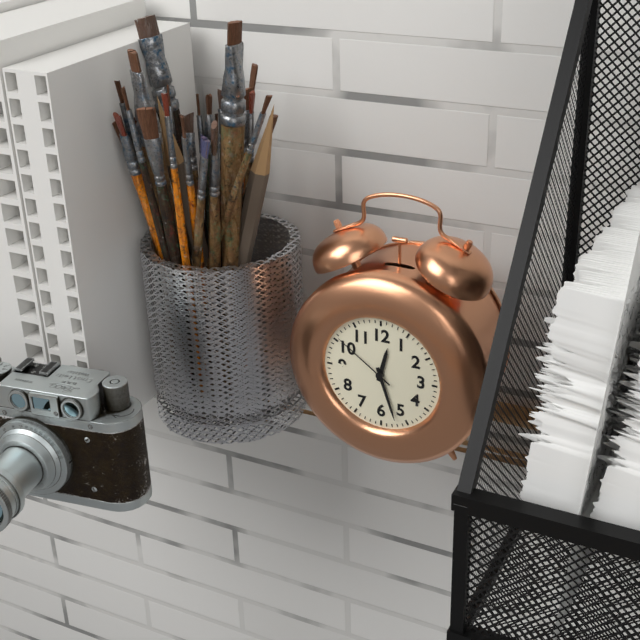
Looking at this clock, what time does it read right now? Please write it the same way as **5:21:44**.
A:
**12:27:51**
